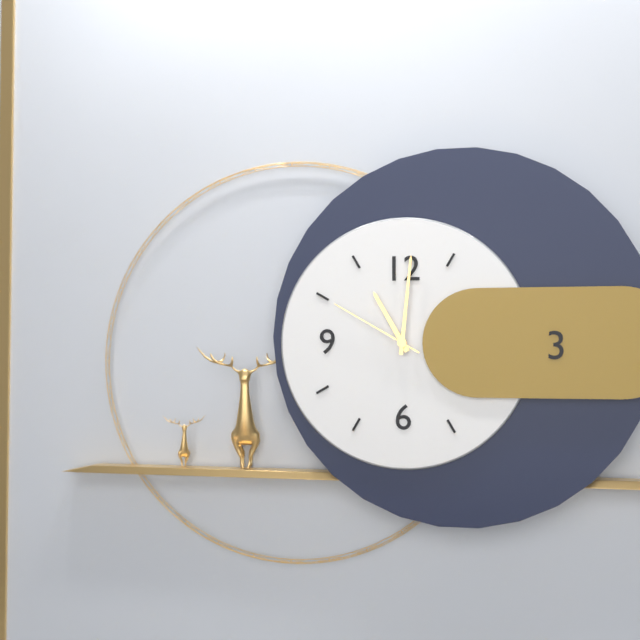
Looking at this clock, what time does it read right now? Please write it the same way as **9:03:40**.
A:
**11:01:50**
